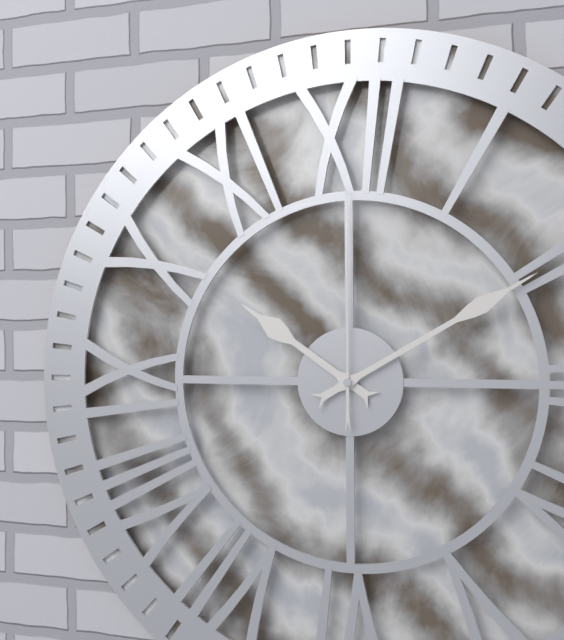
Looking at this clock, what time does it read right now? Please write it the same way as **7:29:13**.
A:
**10:10:00**
